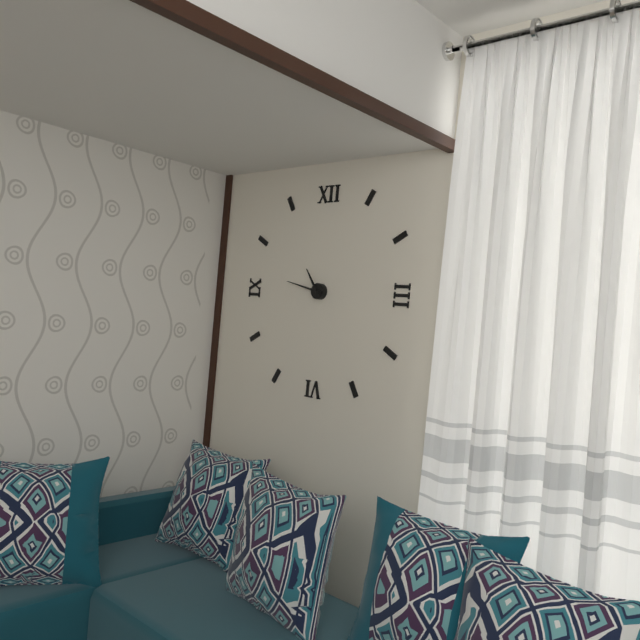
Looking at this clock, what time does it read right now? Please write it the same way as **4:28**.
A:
**10:47**
